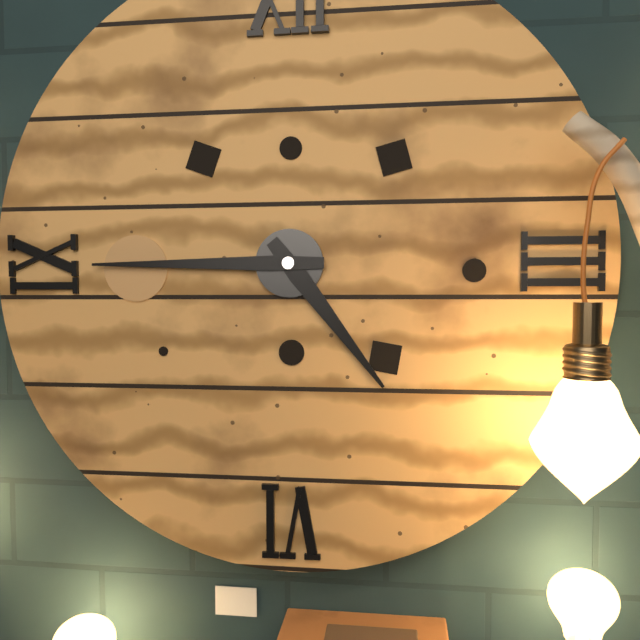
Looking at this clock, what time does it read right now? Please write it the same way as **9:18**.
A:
**4:45**
